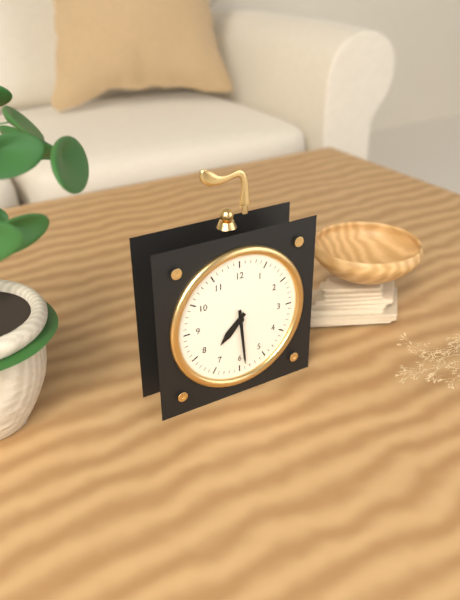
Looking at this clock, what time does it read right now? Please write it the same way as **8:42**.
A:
**7:29**
